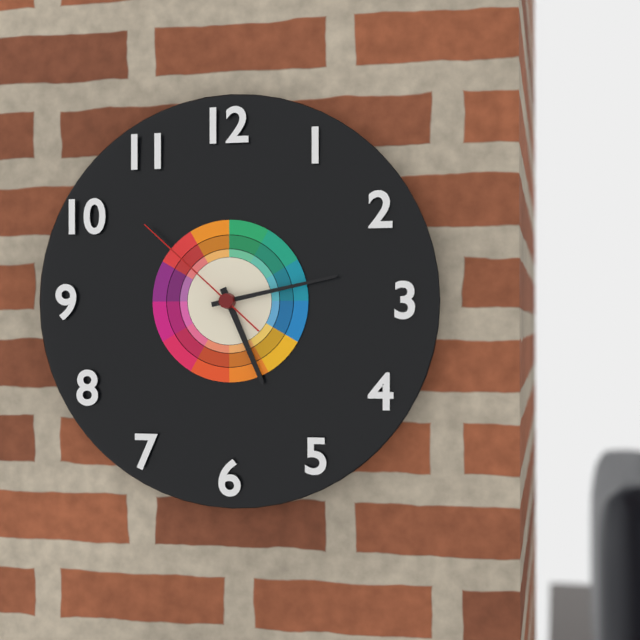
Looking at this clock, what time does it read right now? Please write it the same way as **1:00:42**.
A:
**5:13:52**
